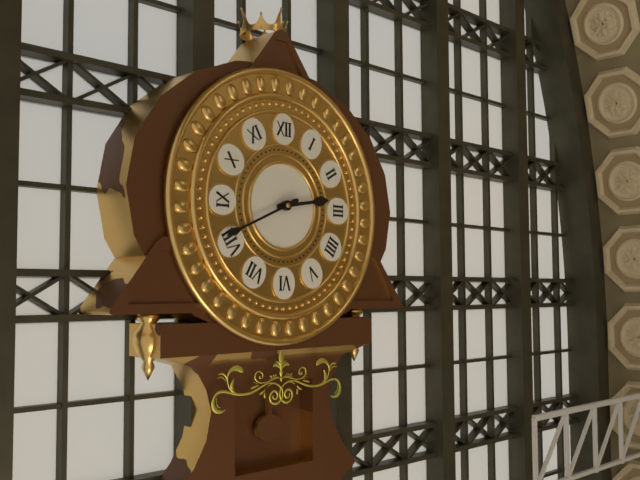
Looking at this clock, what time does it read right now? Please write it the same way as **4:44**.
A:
**2:41**
